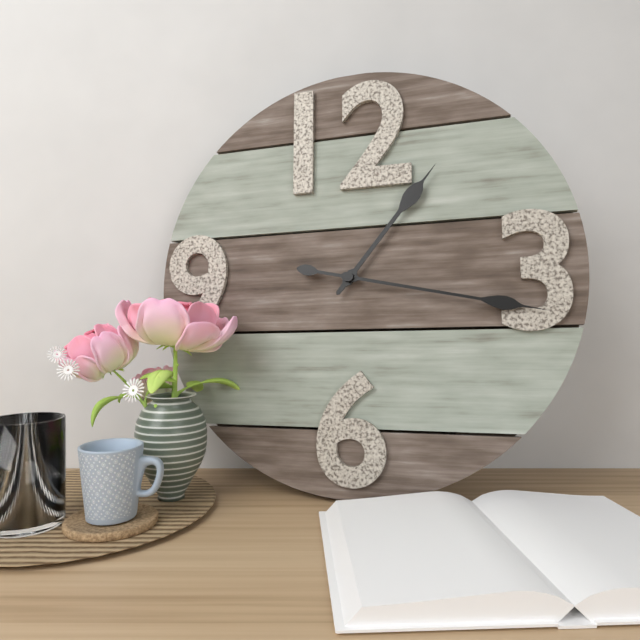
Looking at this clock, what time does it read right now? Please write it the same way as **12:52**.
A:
**1:17**
